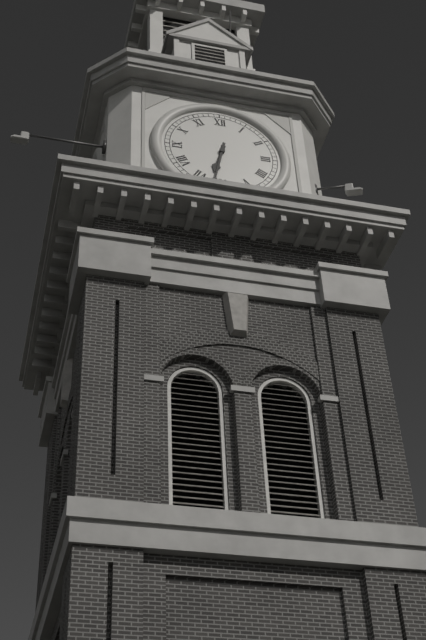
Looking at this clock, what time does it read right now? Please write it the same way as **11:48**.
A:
**6:32**
